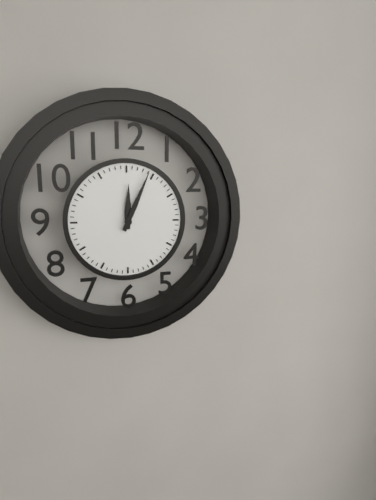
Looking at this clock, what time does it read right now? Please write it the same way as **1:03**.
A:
**12:04**
